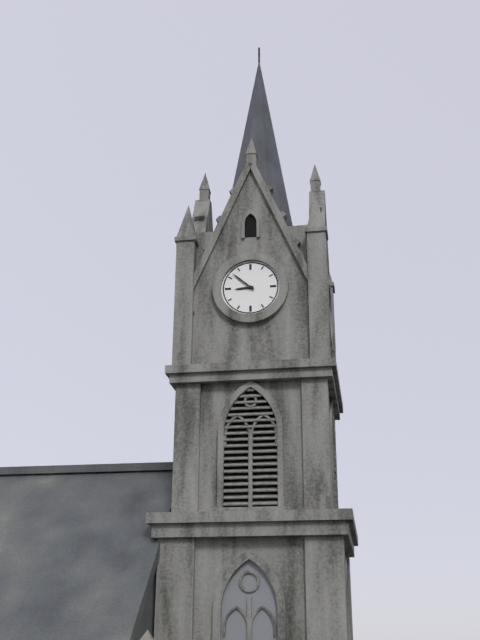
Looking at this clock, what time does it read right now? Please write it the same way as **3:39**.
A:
**8:52**
